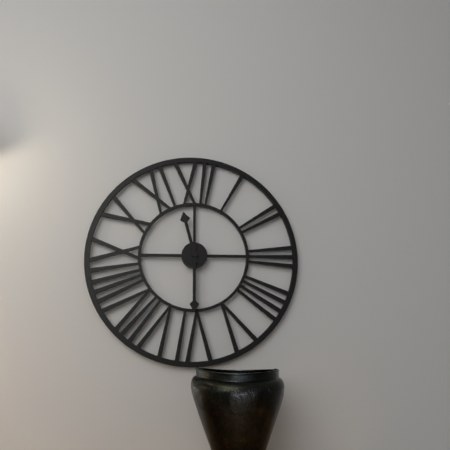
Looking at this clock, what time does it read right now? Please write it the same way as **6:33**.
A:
**11:30**
